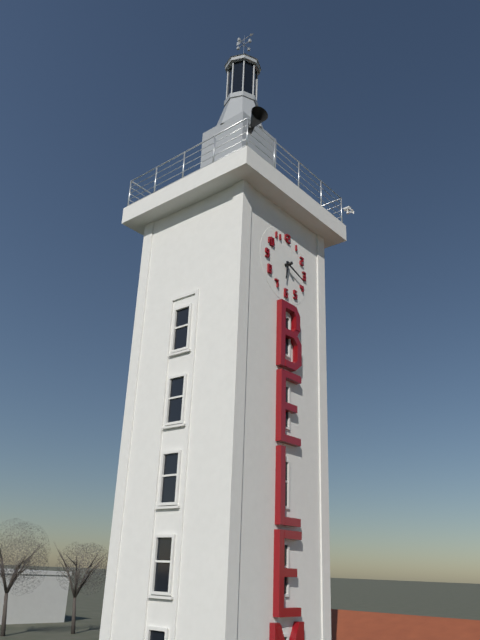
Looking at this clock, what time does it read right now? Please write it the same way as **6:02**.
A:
**6:18**
